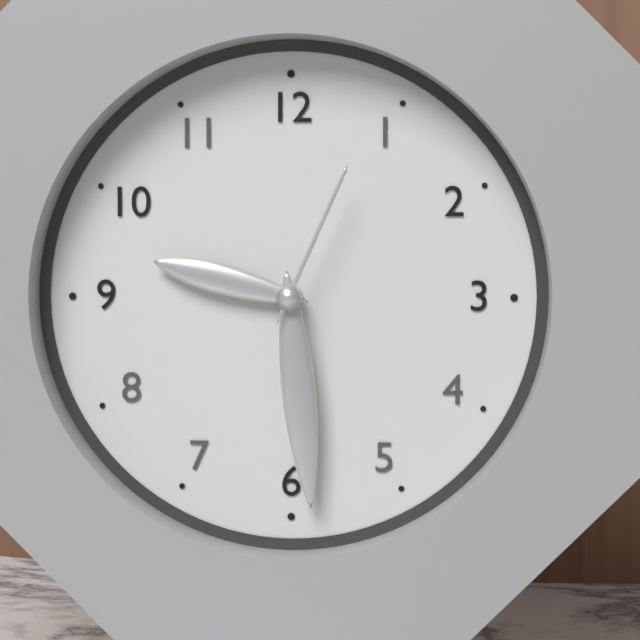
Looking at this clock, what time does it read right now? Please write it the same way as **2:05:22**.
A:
**9:29:04**
